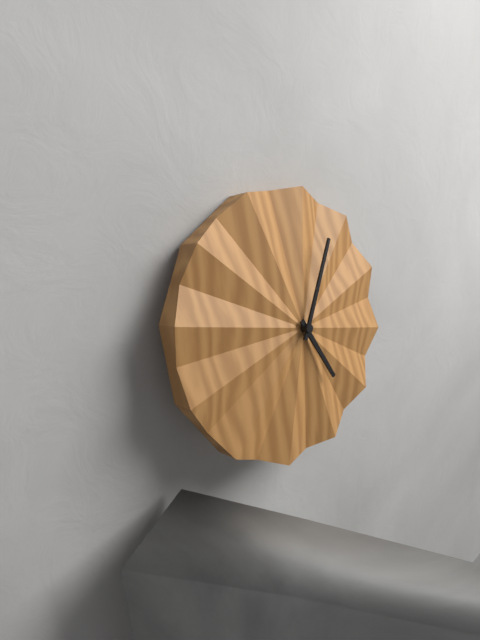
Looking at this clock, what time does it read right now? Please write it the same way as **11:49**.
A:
**5:05**
